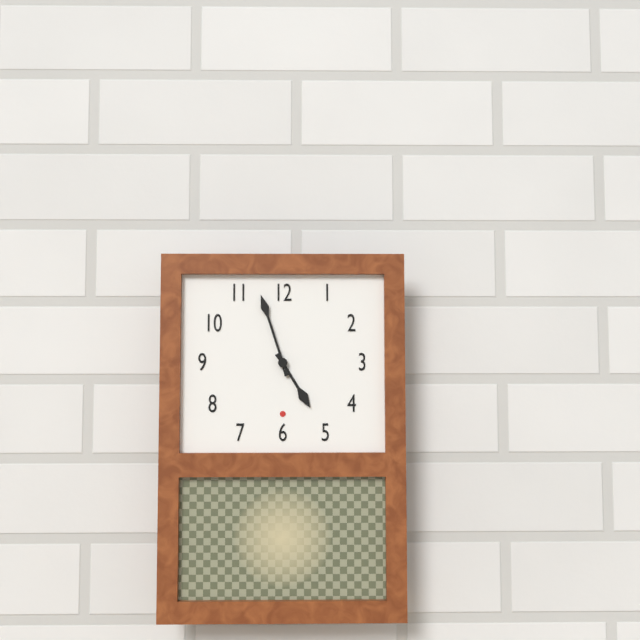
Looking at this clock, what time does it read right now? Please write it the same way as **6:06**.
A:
**4:57**
